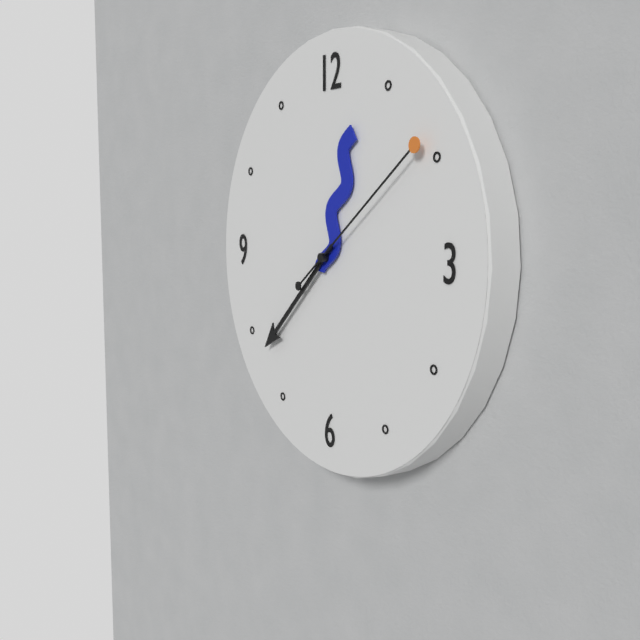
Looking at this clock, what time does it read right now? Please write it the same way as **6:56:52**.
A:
**12:38:09**
